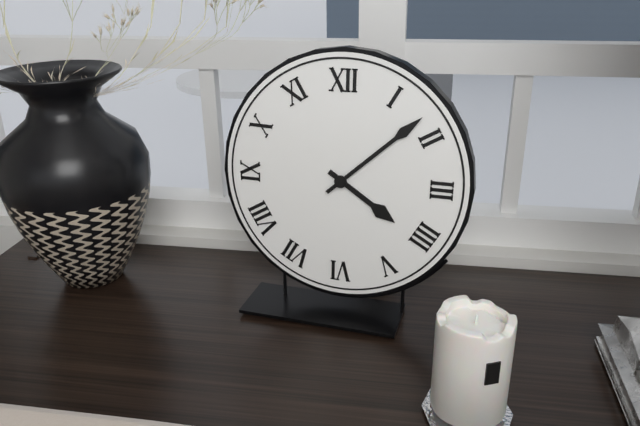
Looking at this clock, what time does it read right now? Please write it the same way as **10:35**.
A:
**4:08**
